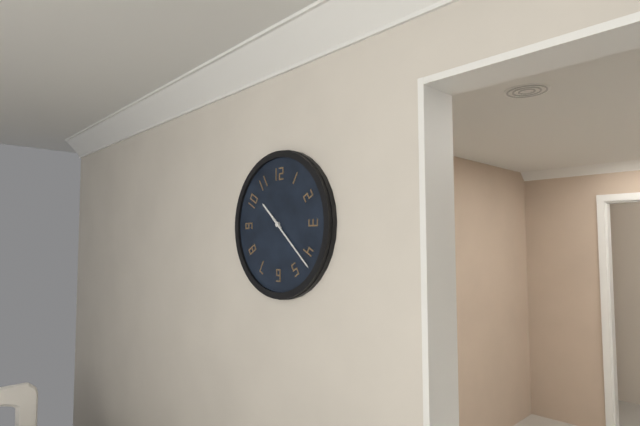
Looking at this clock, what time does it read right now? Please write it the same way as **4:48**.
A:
**10:22**
